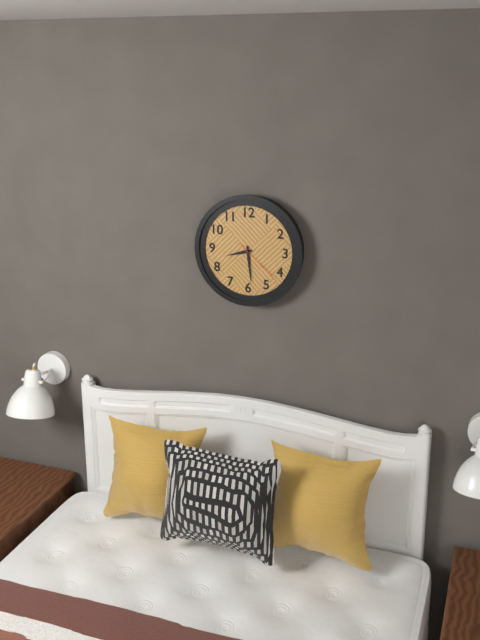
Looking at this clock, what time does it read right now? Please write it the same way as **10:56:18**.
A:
**8:29:22**
